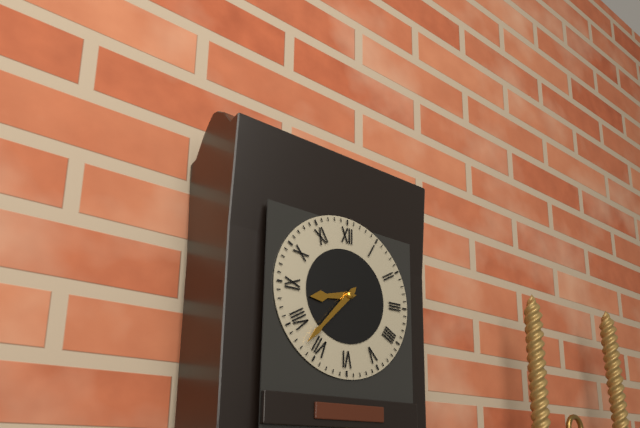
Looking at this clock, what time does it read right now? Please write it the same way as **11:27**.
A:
**8:37**
